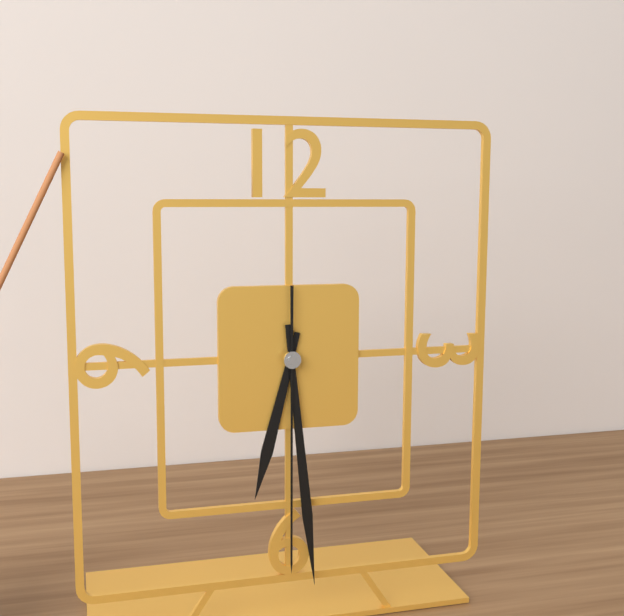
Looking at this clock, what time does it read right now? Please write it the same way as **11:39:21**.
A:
**6:29:30**
